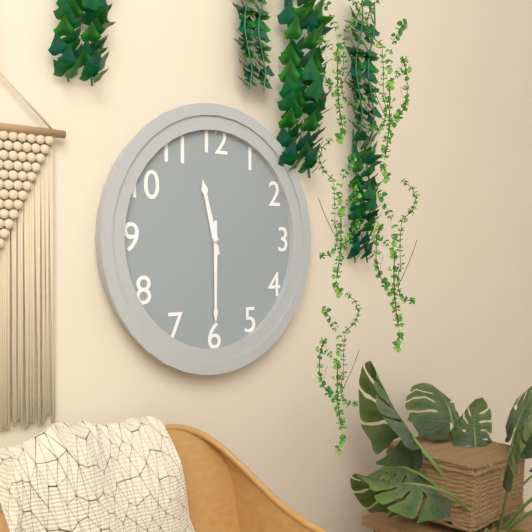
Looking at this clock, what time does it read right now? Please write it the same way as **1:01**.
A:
**11:30**
